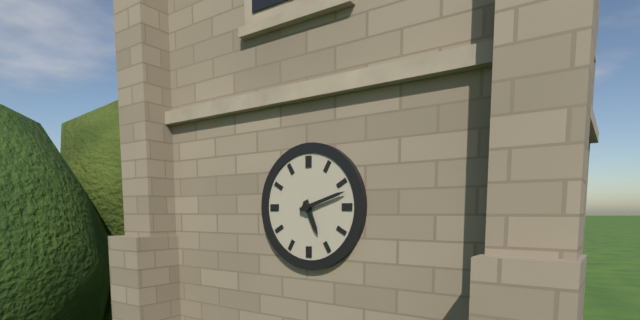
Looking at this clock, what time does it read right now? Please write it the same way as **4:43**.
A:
**5:12**
